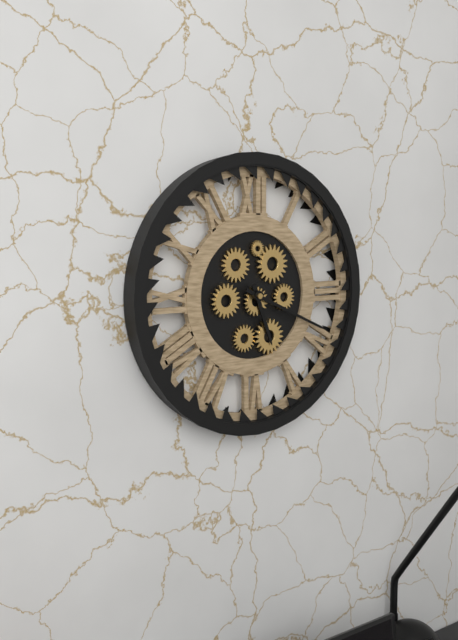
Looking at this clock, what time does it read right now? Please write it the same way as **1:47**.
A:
**5:19**
